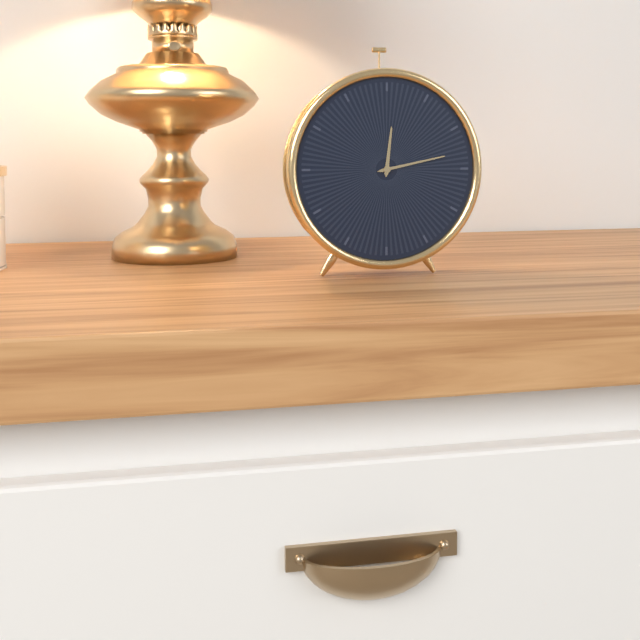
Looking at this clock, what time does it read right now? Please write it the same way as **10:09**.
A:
**12:13**
